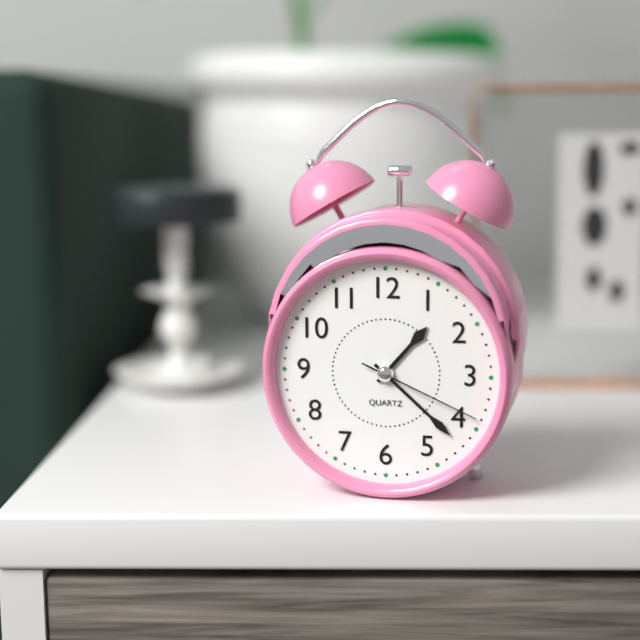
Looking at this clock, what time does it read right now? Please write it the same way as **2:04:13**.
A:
**1:22:19**
